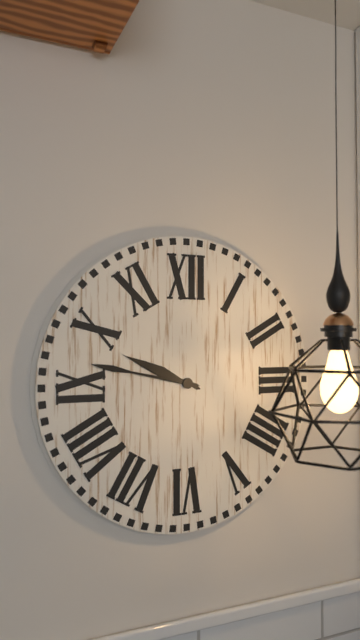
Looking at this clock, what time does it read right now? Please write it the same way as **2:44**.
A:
**9:47**
